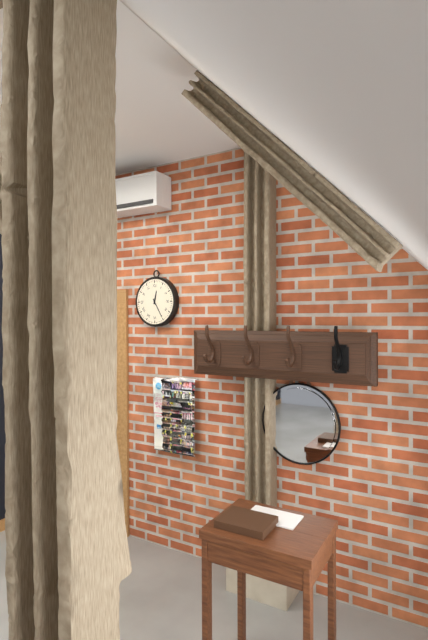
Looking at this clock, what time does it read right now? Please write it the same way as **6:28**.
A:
**12:25**
